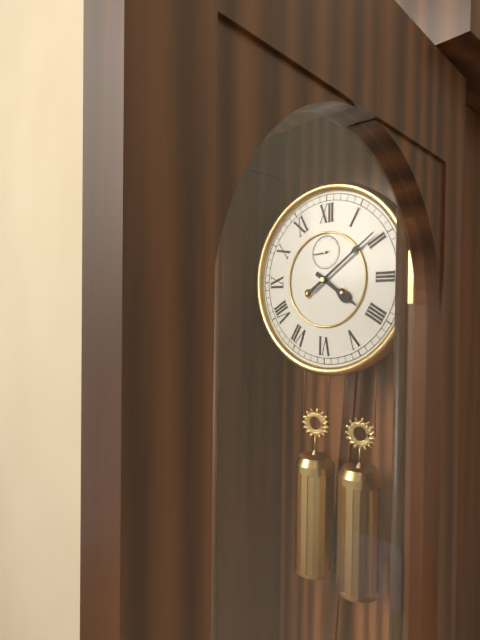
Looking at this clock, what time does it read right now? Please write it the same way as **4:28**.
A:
**4:09**
